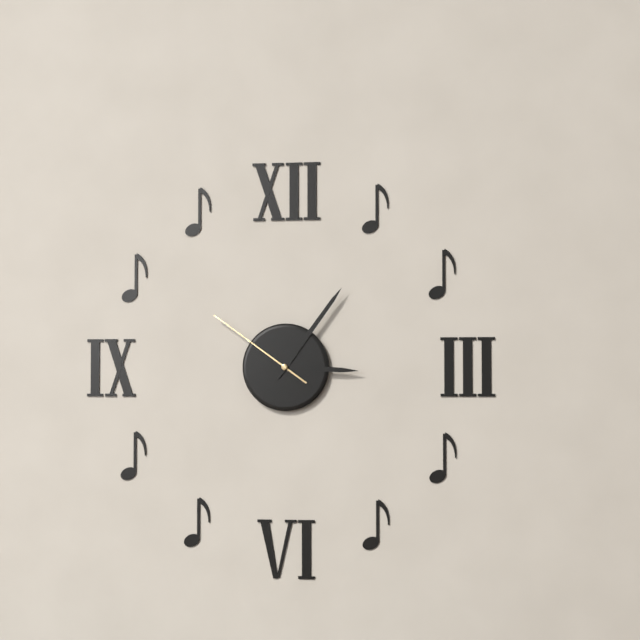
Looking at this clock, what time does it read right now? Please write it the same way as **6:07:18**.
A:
**3:06:51**
